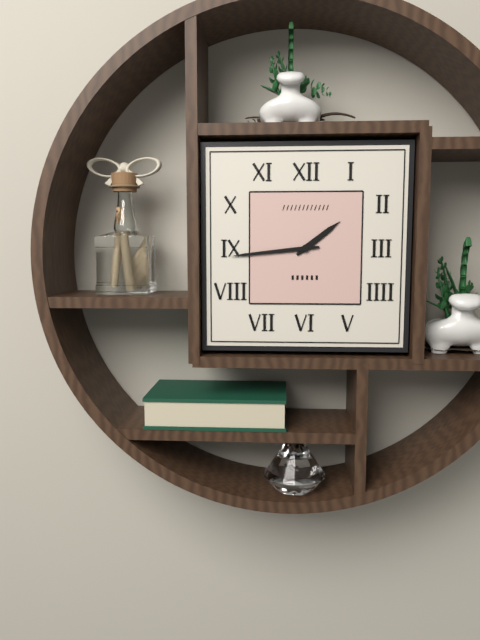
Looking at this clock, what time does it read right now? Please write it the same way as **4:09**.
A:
**1:44**
